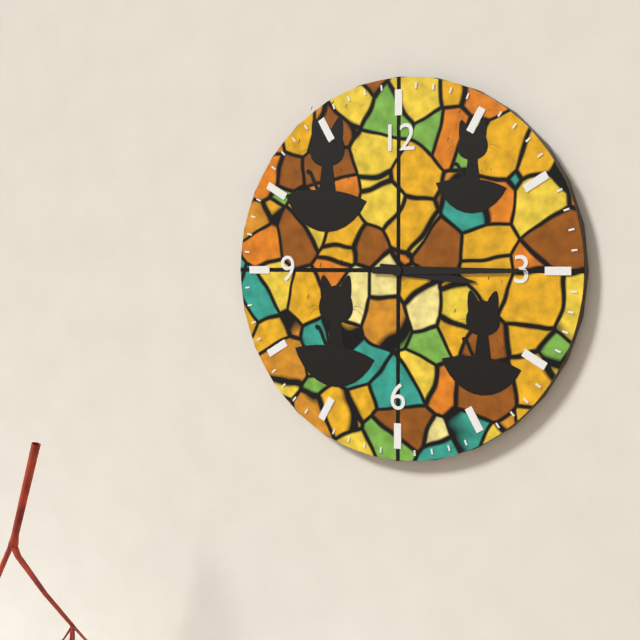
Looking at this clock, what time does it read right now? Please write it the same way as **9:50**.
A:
**3:15**
